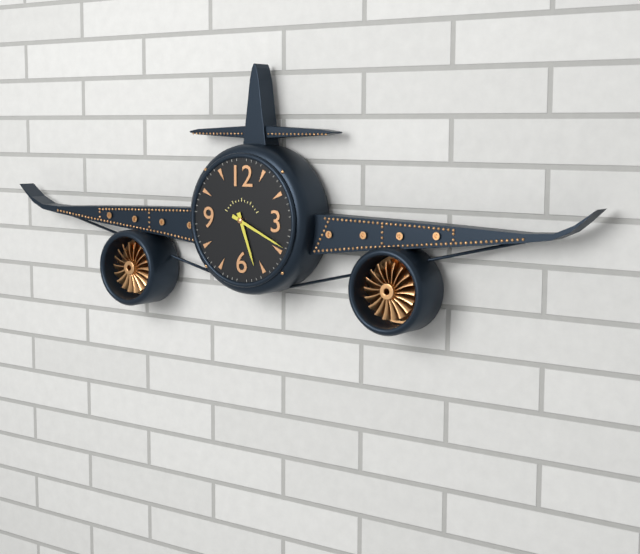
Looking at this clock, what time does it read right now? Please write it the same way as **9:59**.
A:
**5:19**
